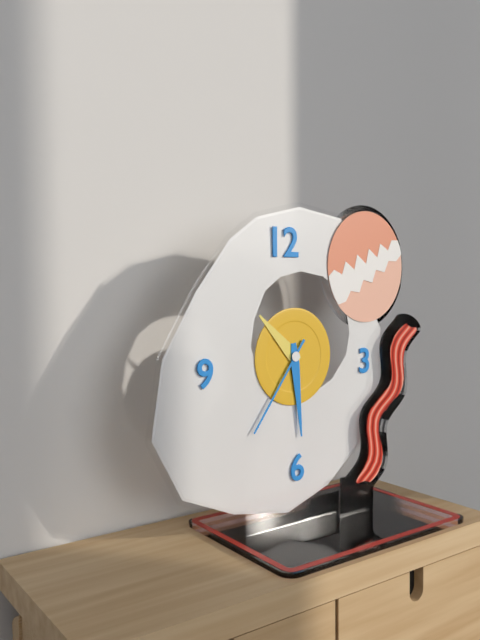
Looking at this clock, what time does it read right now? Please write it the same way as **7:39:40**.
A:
**10:29:36**
